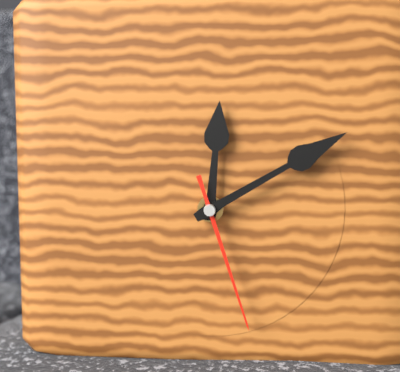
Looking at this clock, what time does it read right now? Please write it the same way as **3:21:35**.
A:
**12:10:27**
